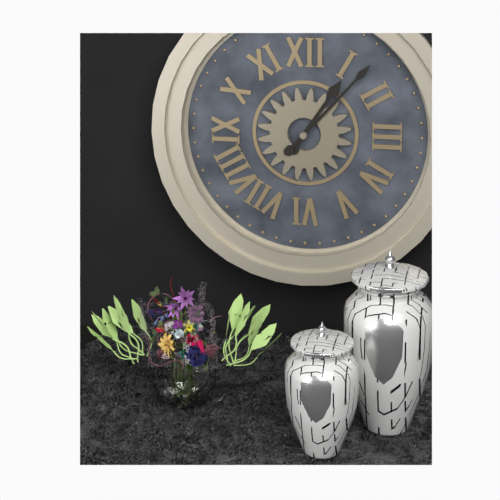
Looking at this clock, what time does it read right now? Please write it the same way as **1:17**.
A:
**1:07**
